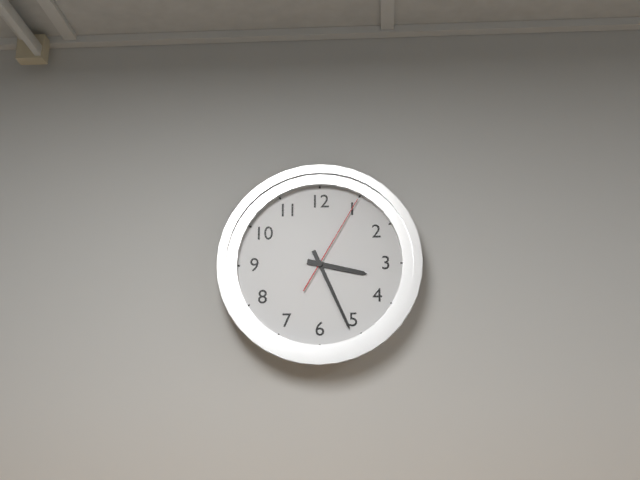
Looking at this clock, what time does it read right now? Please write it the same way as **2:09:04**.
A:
**3:26:05**
